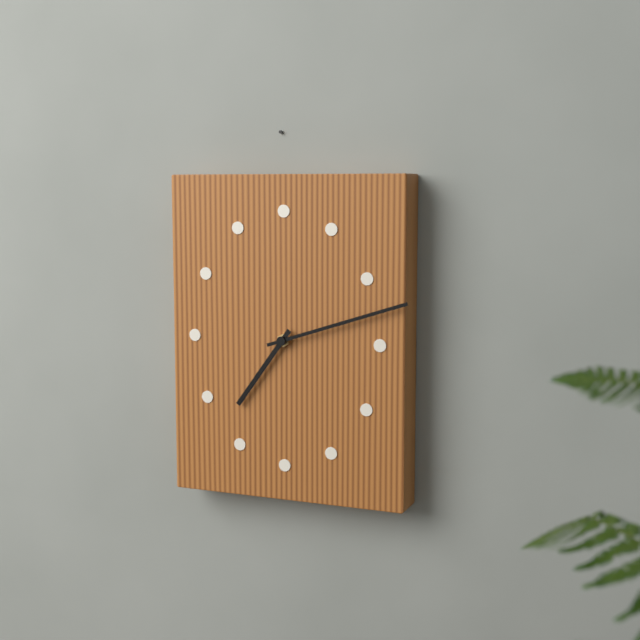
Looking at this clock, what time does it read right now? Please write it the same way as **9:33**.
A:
**7:12**
